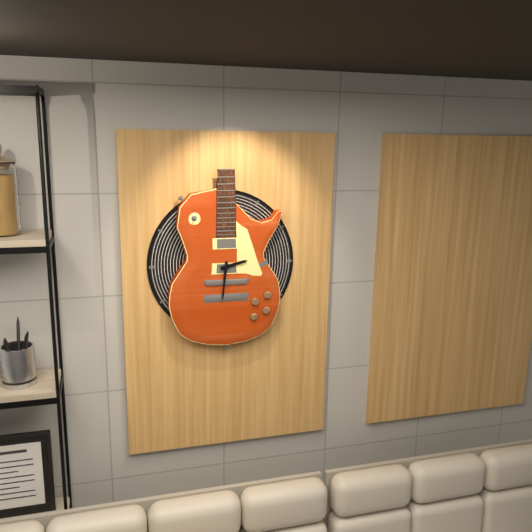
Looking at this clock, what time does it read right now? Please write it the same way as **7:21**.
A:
**2:31**
